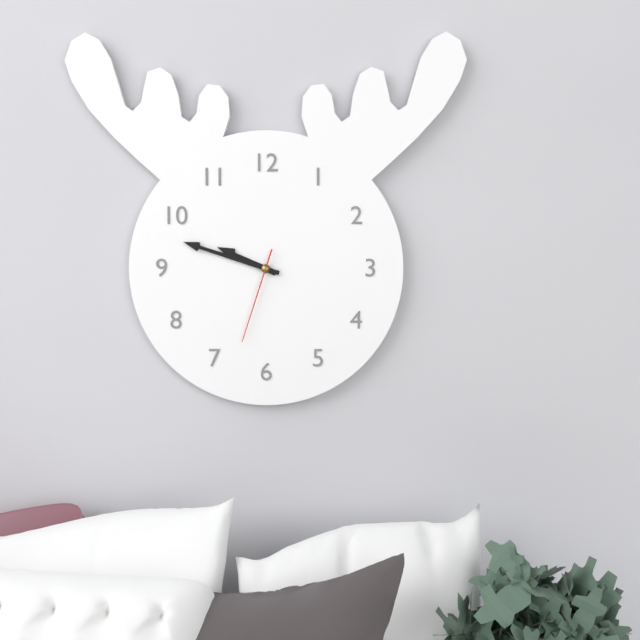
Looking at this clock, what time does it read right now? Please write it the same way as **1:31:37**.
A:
**9:48:33**
